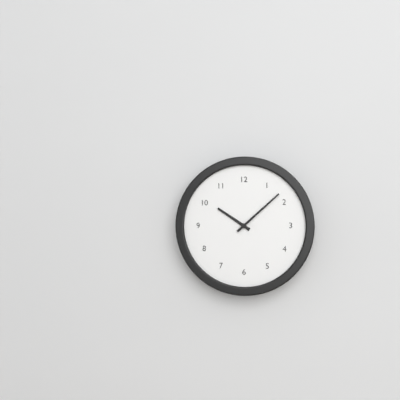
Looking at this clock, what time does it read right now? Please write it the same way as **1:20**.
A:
**10:08**
